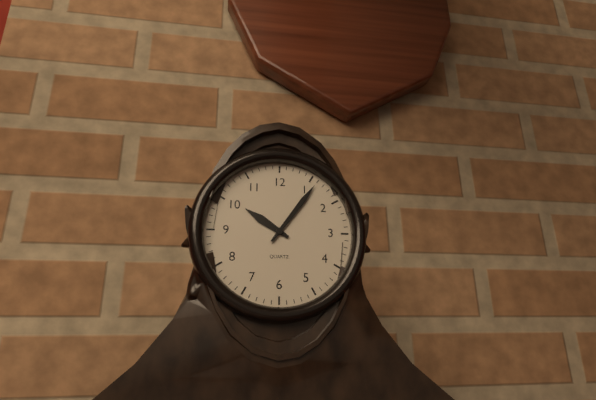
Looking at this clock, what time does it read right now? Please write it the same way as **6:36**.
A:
**10:06**
